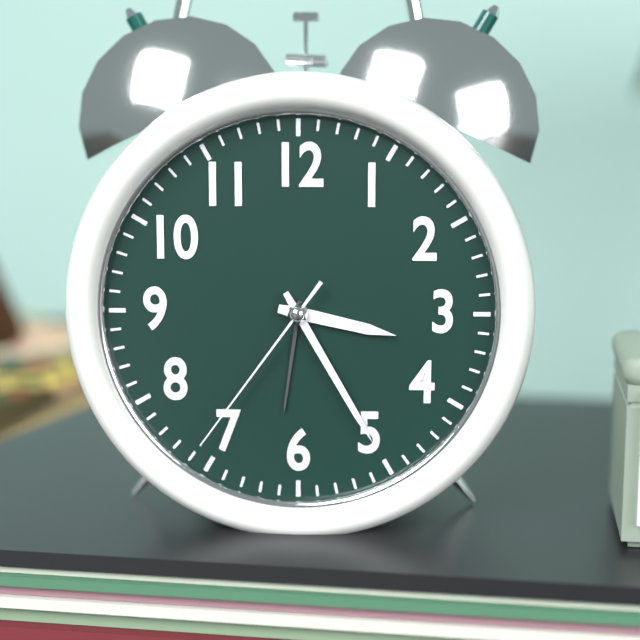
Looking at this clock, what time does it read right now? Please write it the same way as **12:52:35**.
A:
**3:25:36**
